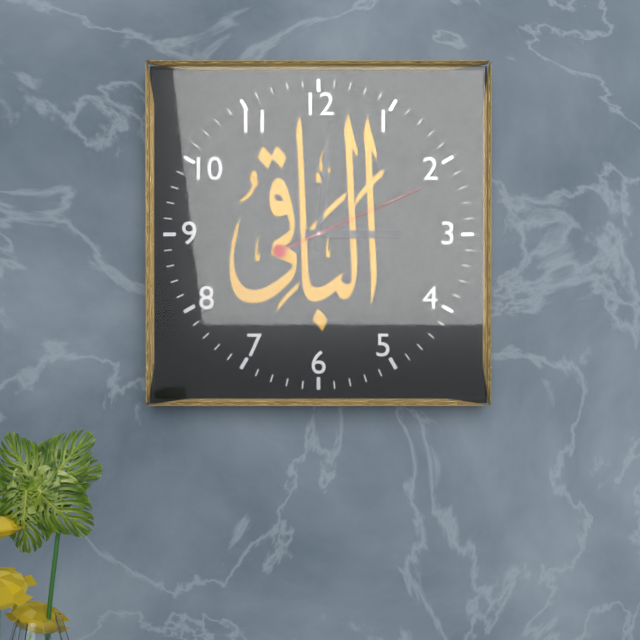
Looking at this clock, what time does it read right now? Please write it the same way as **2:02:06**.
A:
**3:01:11**
